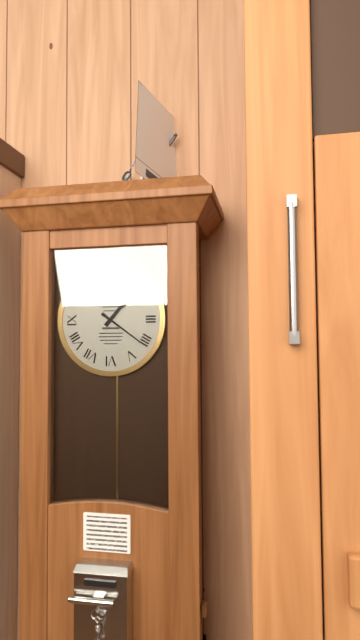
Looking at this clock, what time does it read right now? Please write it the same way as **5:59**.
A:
**1:21**
